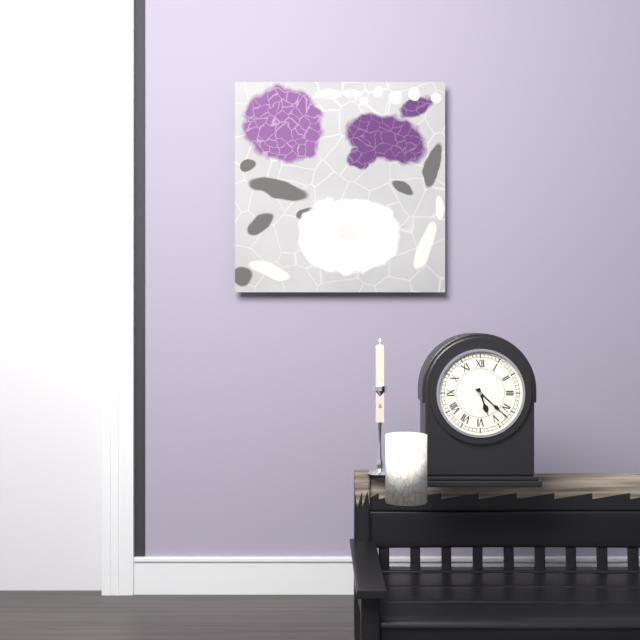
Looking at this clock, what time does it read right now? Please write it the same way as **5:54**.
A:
**5:22**
